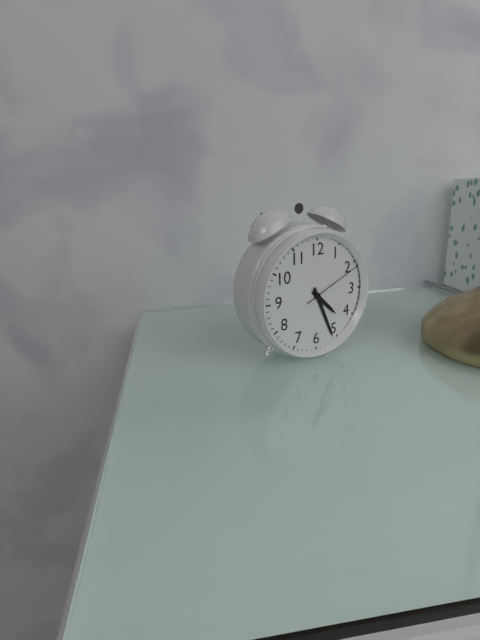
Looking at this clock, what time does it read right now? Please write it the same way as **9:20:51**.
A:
**4:26:11**
